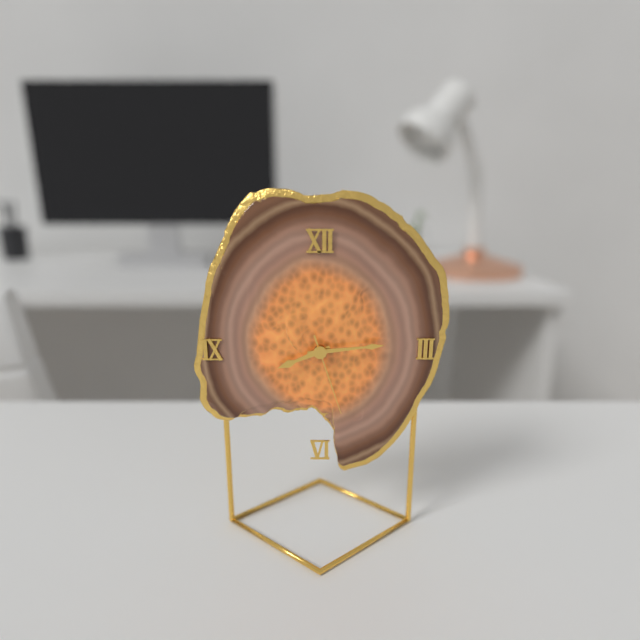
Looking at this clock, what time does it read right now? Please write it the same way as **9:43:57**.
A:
**8:14:27**
